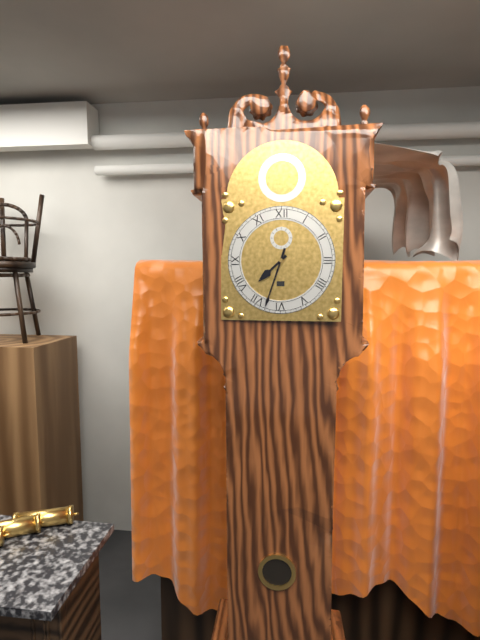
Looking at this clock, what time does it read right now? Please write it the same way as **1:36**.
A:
**7:33**
